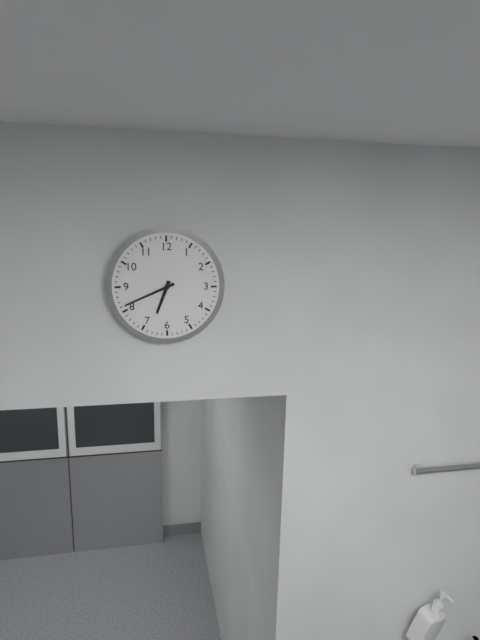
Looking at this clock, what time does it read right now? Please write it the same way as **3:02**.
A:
**6:41**
